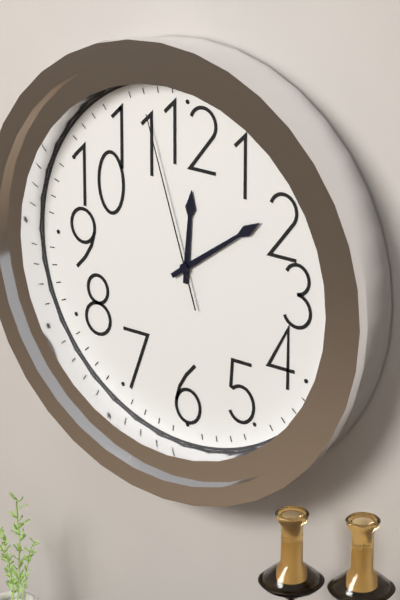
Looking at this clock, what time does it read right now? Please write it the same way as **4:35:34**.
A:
**12:09:57**
